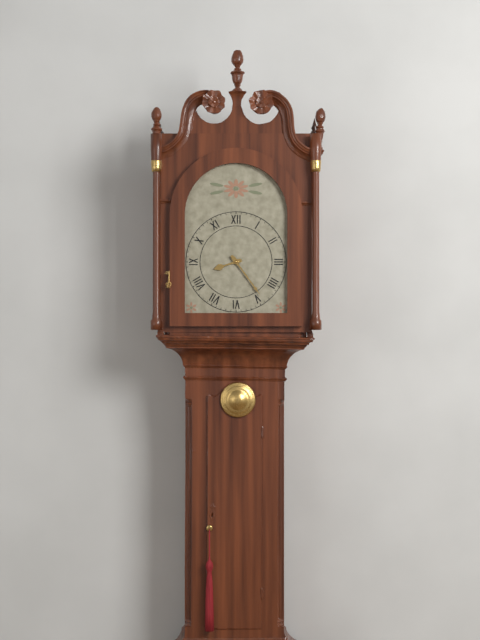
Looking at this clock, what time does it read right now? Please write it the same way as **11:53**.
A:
**8:24**
